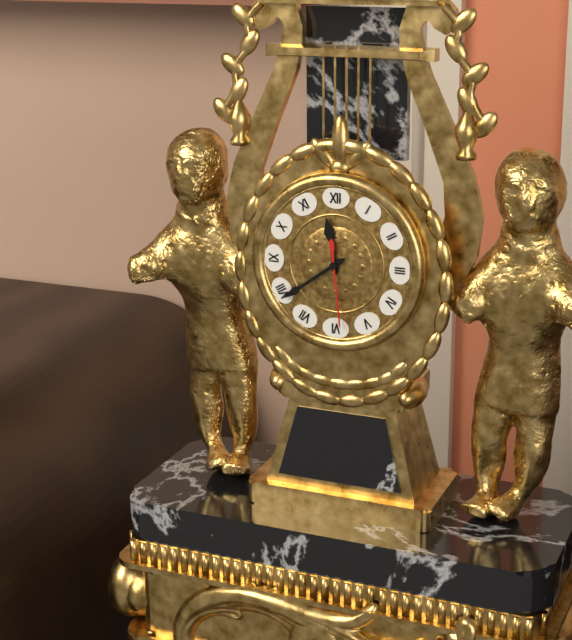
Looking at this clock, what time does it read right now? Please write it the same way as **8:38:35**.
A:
**11:39:29**
